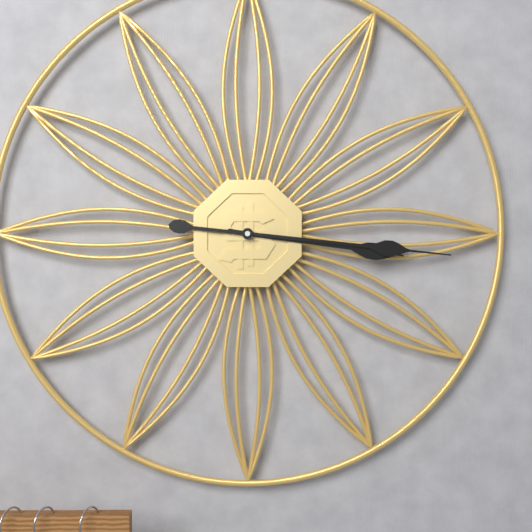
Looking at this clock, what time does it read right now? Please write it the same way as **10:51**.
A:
**3:16**
